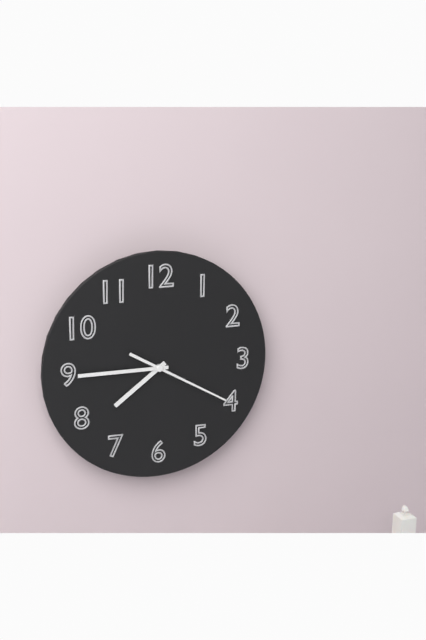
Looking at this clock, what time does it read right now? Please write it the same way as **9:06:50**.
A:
**7:45:20**
